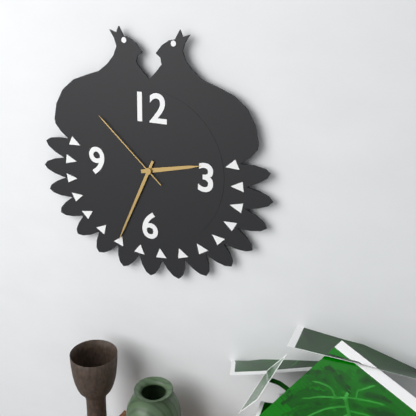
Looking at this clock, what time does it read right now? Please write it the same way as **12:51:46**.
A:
**2:34:52**
